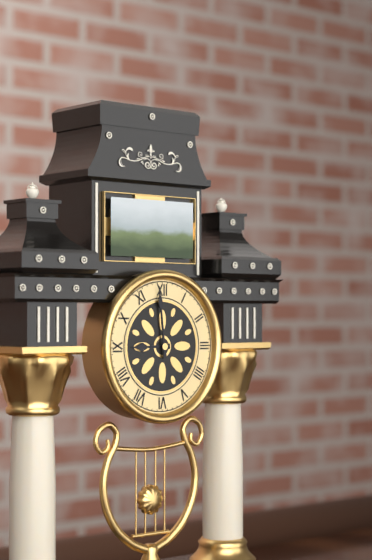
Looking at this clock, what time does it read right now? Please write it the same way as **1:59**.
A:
**8:59**
